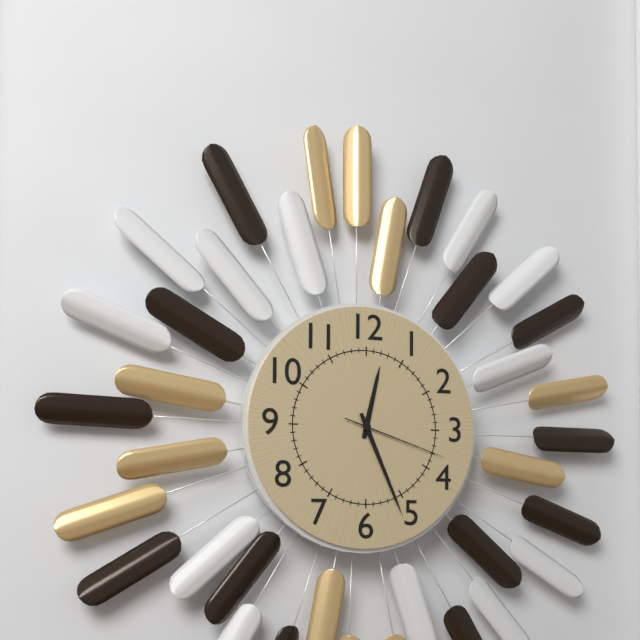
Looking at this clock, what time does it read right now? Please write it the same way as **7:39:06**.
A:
**12:26:18**
